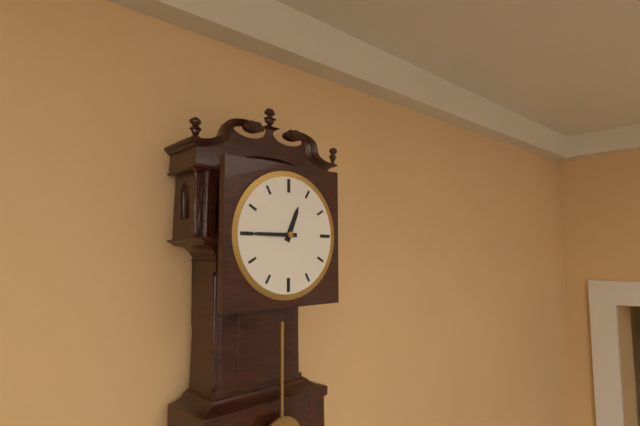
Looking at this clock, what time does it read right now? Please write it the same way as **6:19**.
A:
**12:45**
